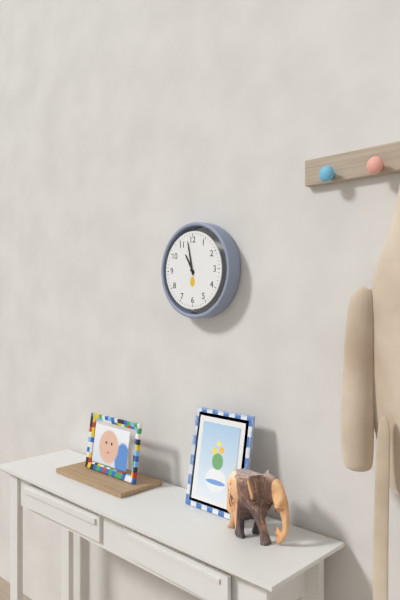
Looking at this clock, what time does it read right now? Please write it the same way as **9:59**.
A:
**10:58**
